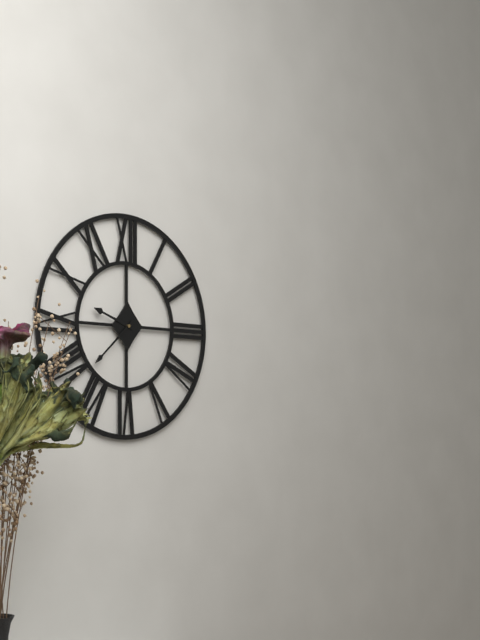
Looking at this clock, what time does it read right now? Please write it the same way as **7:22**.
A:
**9:38**
